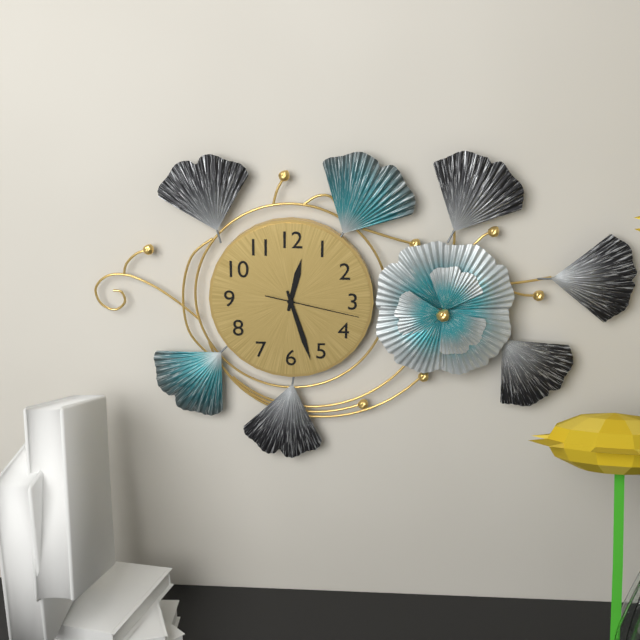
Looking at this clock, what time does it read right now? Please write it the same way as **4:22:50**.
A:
**12:27:17**
